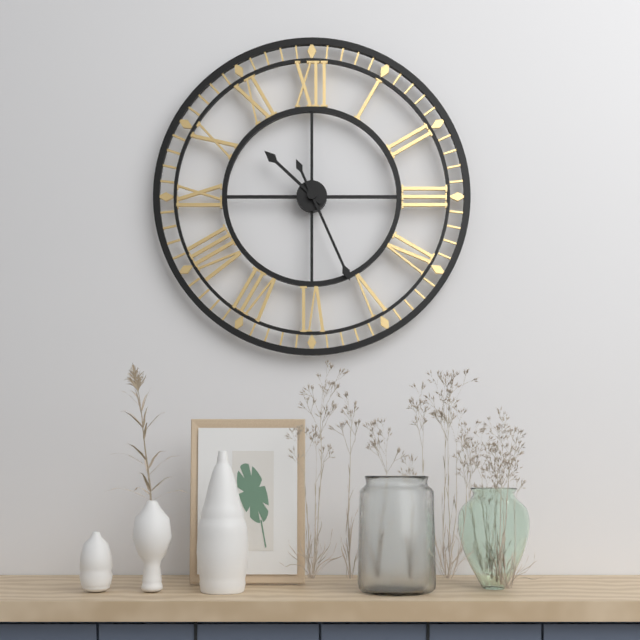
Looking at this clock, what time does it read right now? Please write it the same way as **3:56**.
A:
**10:26**
